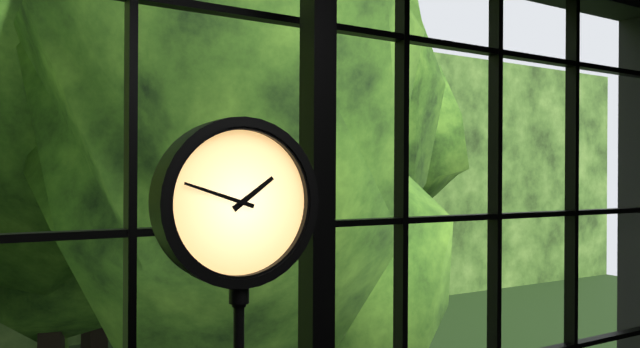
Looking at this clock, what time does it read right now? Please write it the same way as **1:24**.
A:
**1:48**
